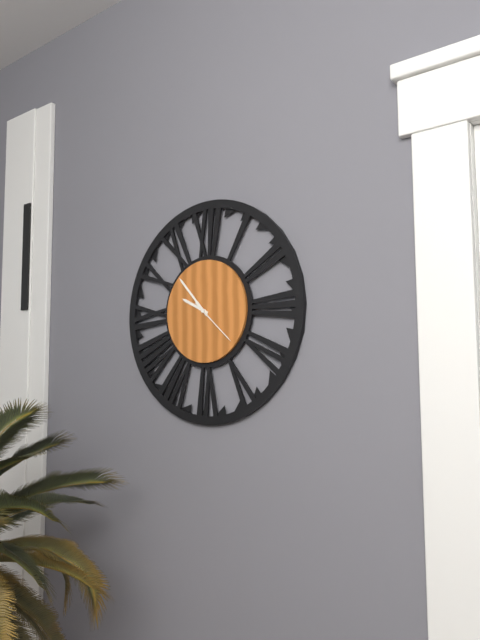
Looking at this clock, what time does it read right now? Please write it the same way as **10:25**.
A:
**9:53**
